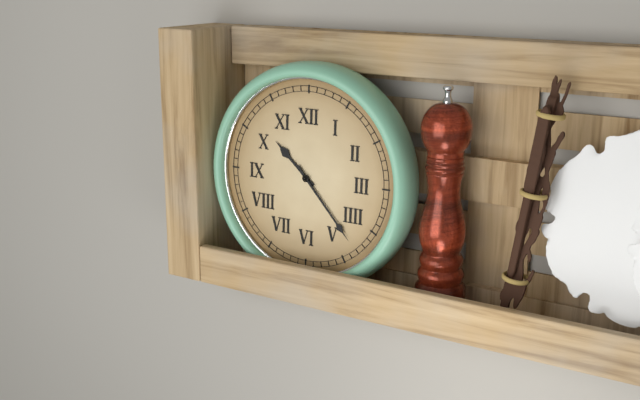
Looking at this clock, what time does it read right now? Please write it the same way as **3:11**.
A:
**10:23**
